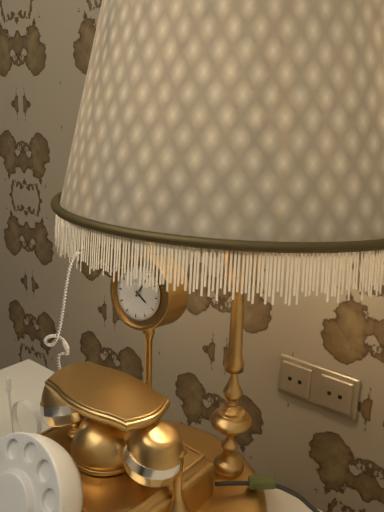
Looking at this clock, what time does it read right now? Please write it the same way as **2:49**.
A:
**4:05**
